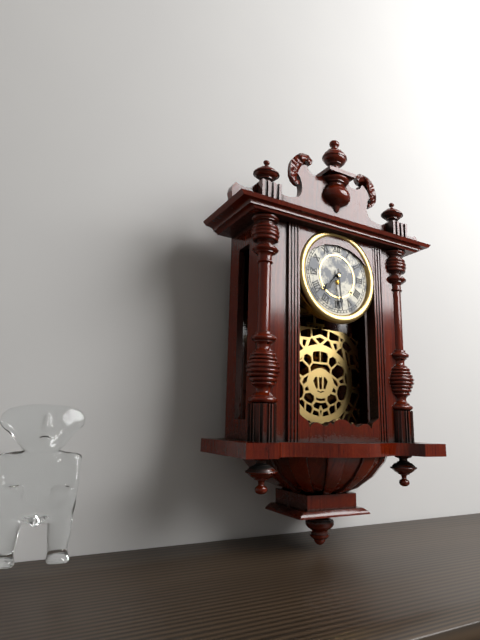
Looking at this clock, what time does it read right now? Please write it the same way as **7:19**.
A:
**7:29**
